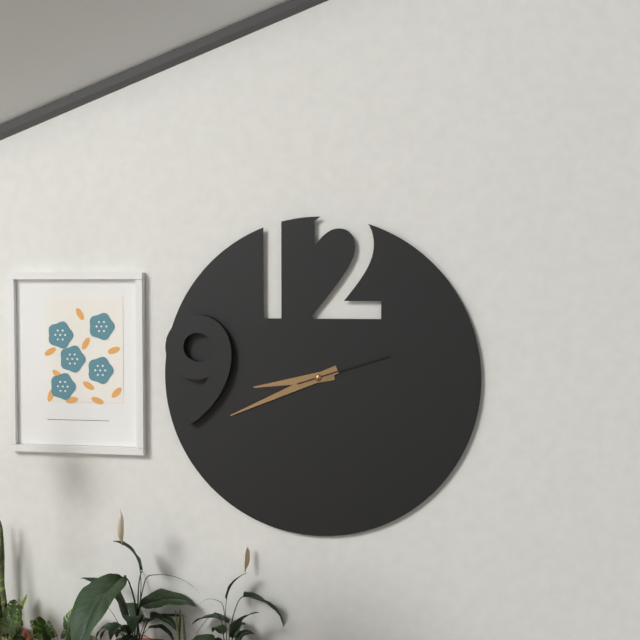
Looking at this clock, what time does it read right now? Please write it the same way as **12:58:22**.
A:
**8:41:12**
